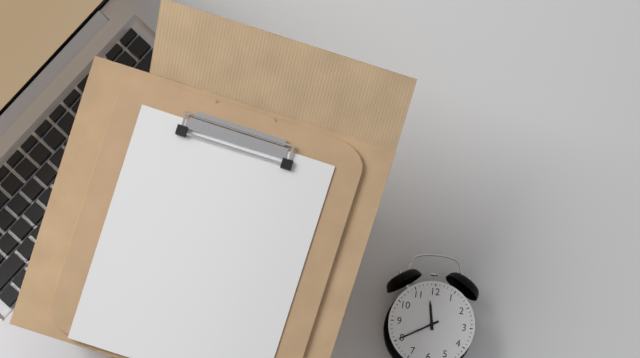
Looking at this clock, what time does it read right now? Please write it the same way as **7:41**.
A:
**11:40**
